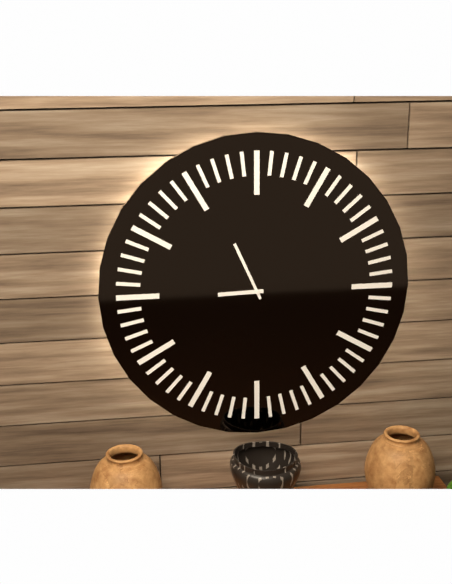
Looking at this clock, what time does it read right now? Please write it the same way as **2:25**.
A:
**8:56**
